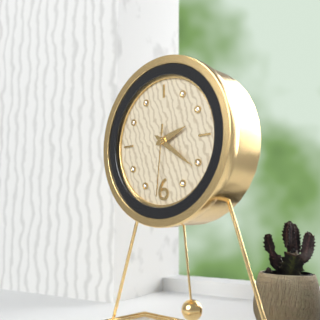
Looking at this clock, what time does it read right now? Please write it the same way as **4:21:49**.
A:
**2:21:31**
